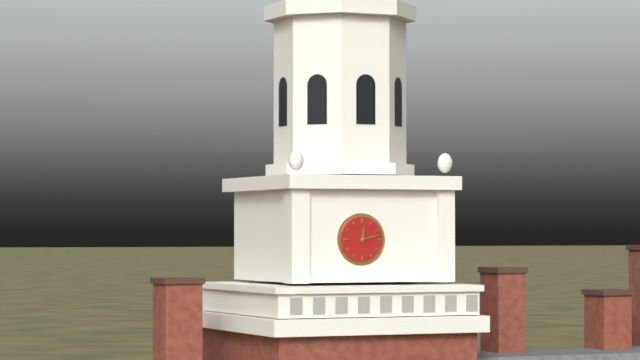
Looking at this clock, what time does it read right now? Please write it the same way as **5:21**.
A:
**12:13**
